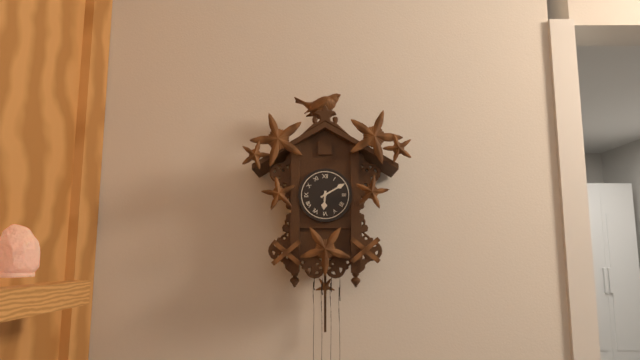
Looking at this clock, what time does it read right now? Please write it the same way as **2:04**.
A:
**6:10**
